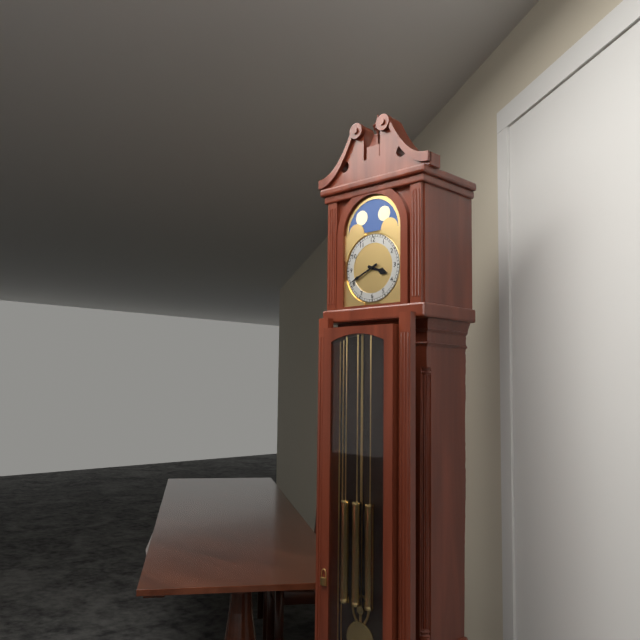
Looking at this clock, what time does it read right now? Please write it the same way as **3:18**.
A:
**3:41**
